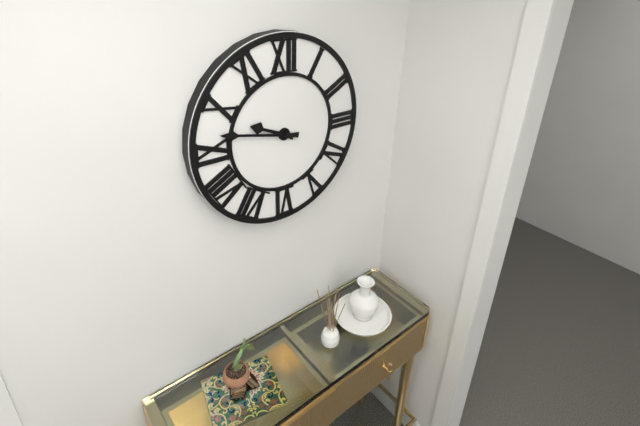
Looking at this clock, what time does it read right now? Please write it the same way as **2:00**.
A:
**9:47**
